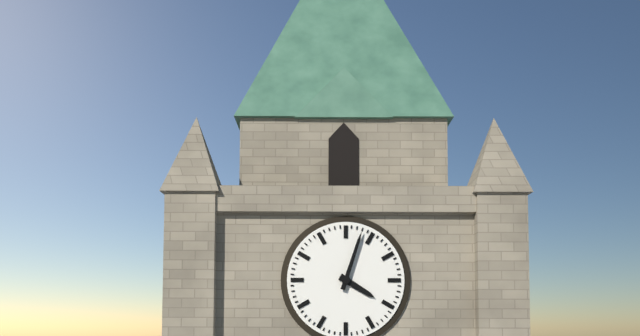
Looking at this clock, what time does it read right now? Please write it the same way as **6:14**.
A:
**4:03**
